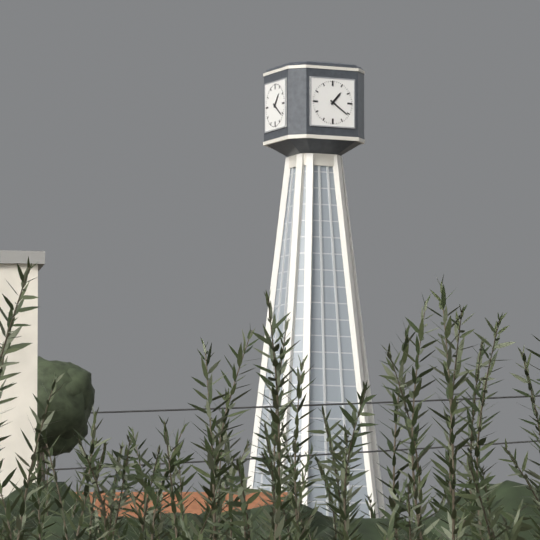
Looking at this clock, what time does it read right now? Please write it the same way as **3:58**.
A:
**1:21**
